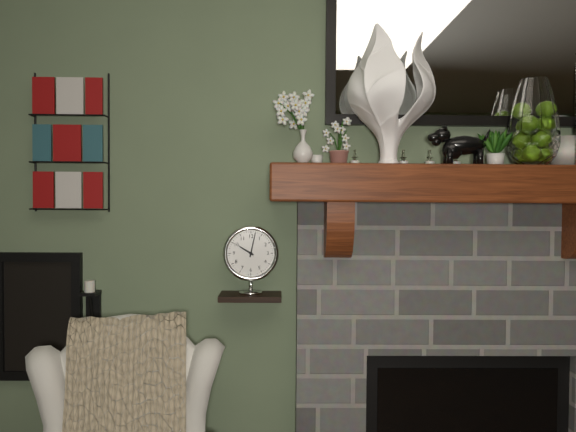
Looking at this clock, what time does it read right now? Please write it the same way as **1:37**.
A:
**10:02**
